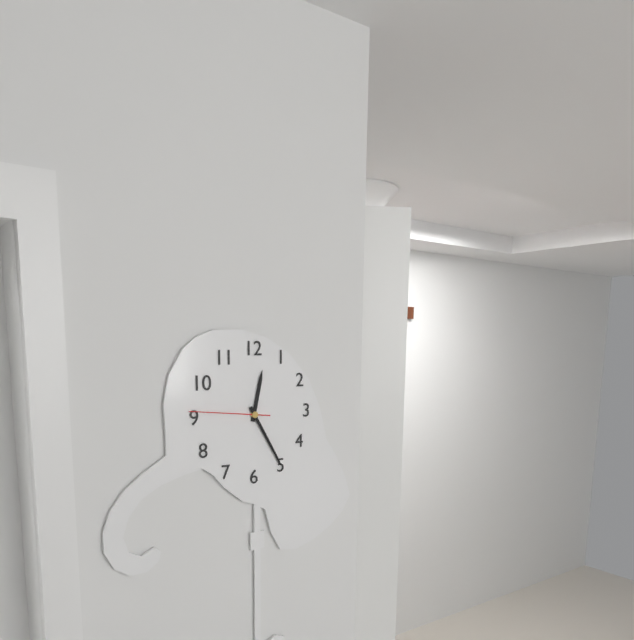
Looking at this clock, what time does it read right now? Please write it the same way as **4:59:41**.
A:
**12:25:46**
